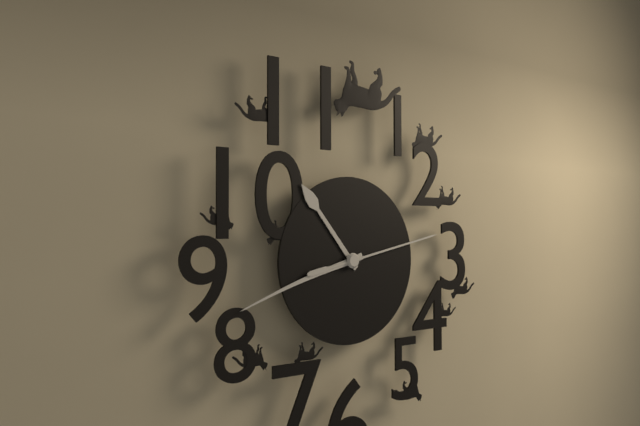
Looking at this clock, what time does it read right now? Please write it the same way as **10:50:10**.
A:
**10:42:13**
